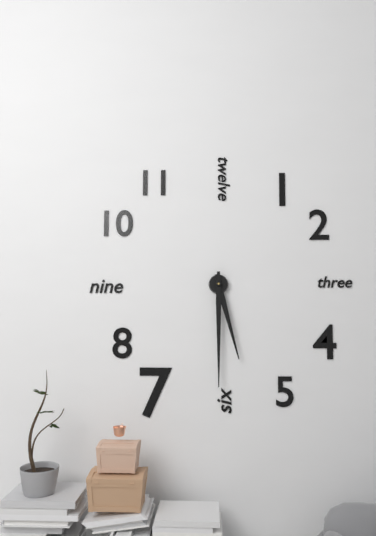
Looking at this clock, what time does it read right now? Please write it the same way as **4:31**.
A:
**5:30**
